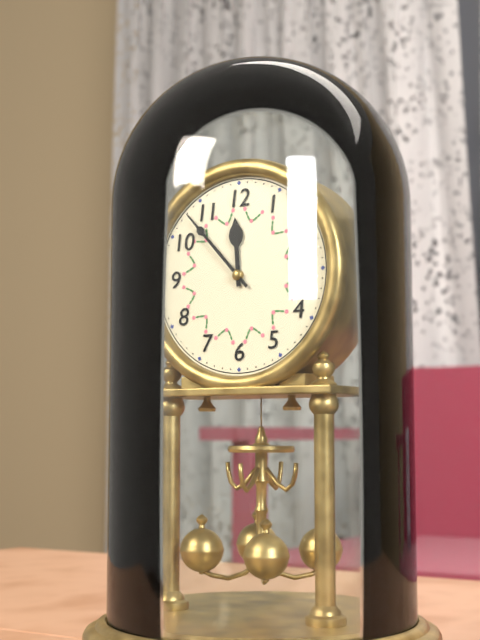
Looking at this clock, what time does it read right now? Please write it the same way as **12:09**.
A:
**11:53**
